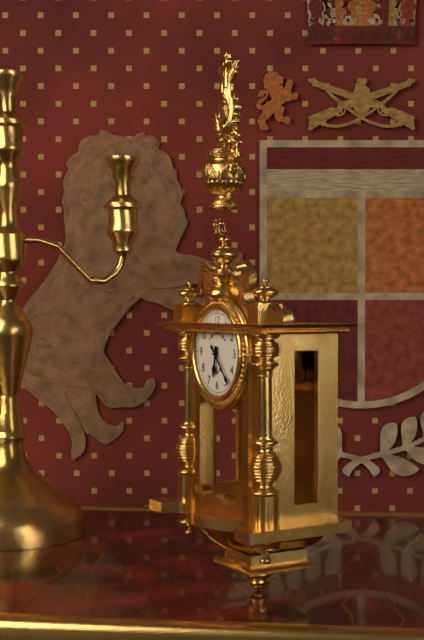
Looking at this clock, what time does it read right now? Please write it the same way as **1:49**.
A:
**6:23**
